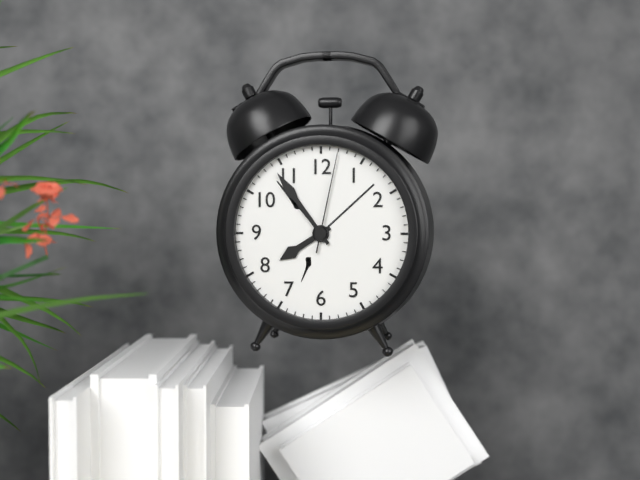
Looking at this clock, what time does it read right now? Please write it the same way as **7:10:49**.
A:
**7:54:02**
